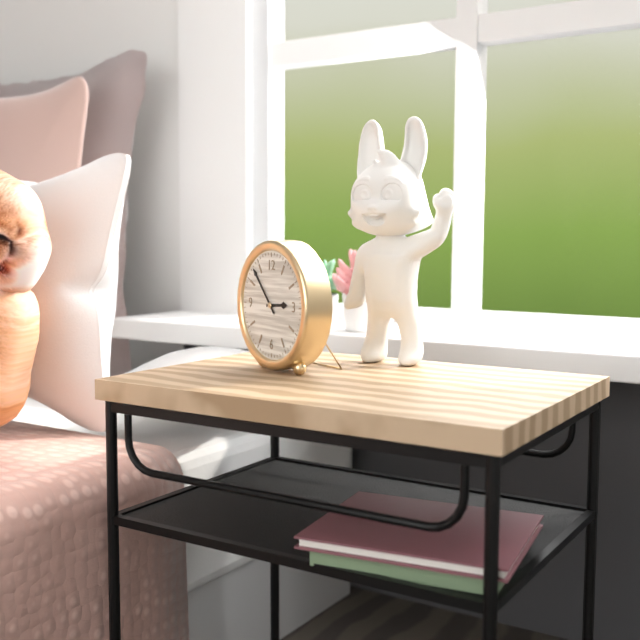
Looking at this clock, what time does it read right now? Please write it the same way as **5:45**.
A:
**2:53**
